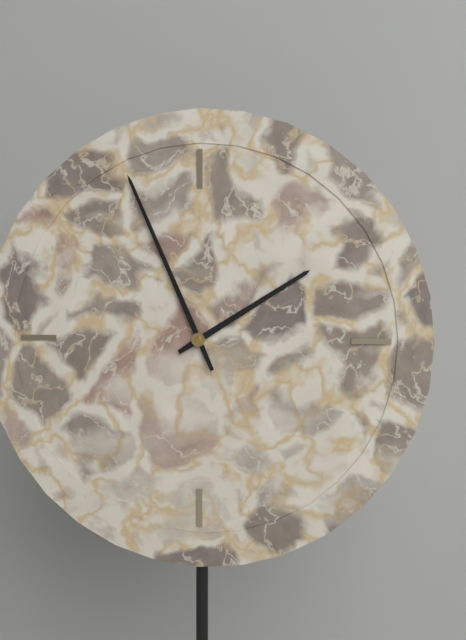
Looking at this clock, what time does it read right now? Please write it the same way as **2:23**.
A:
**1:56**
